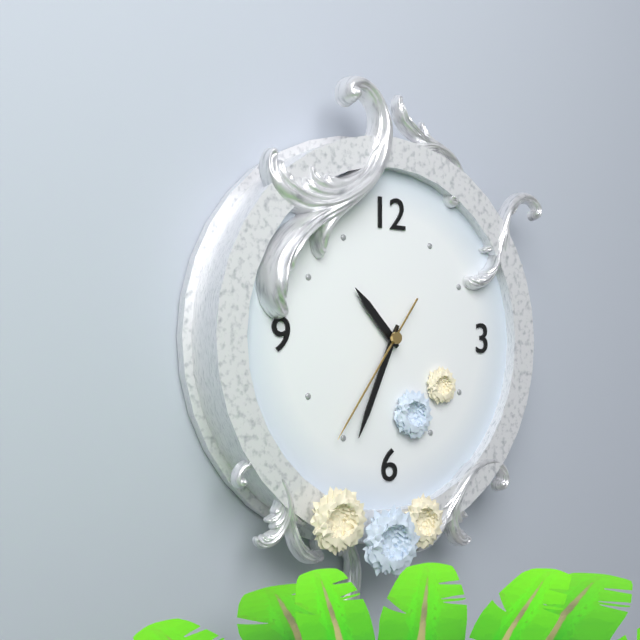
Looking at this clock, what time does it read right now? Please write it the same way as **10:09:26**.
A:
**10:34:36**
